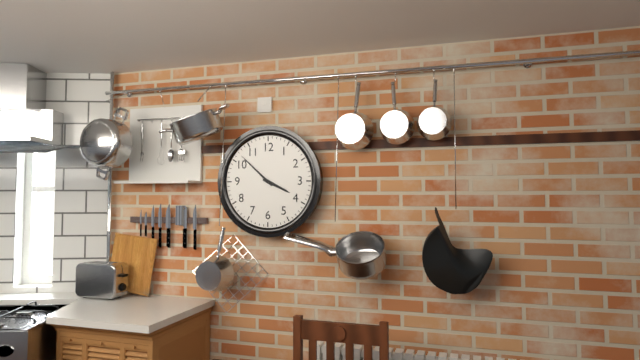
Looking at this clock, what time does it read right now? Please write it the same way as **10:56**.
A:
**3:52**
